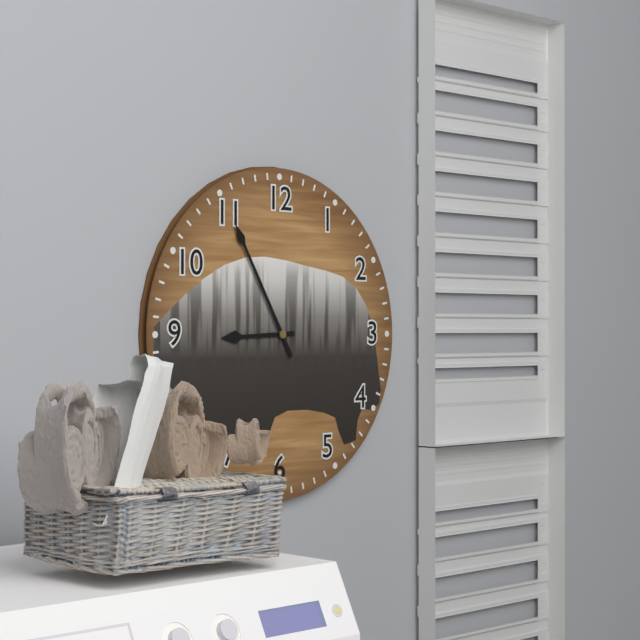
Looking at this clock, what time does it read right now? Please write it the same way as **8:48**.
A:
**8:55**
